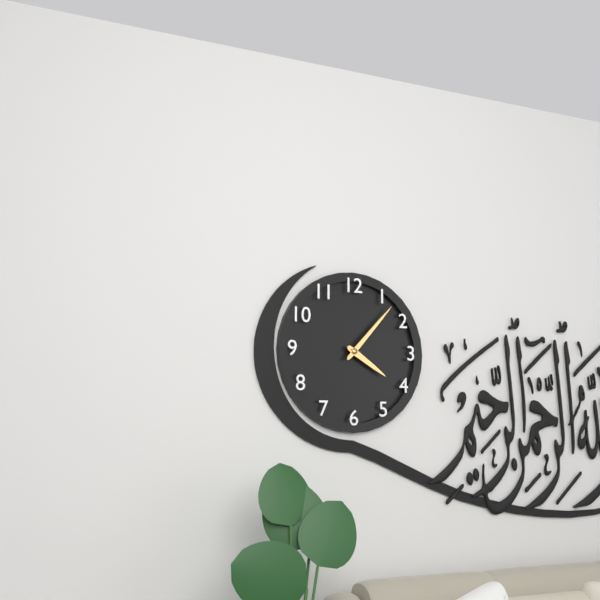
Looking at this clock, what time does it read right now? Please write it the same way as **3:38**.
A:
**4:07**
